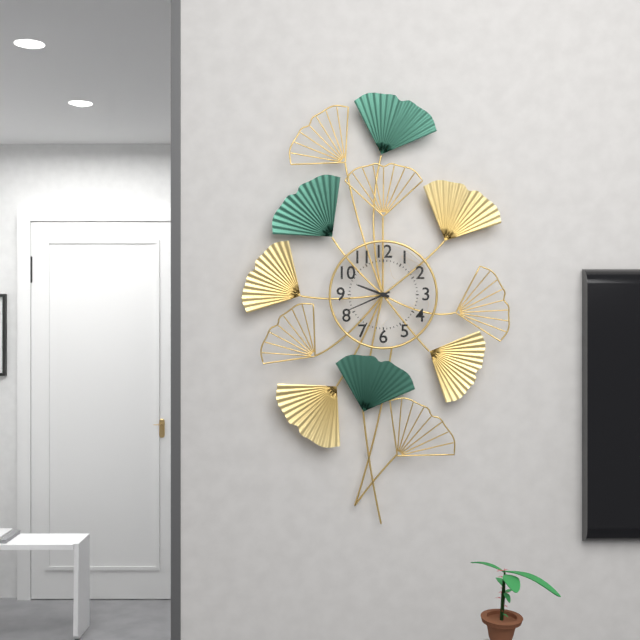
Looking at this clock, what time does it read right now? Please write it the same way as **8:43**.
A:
**9:41**
